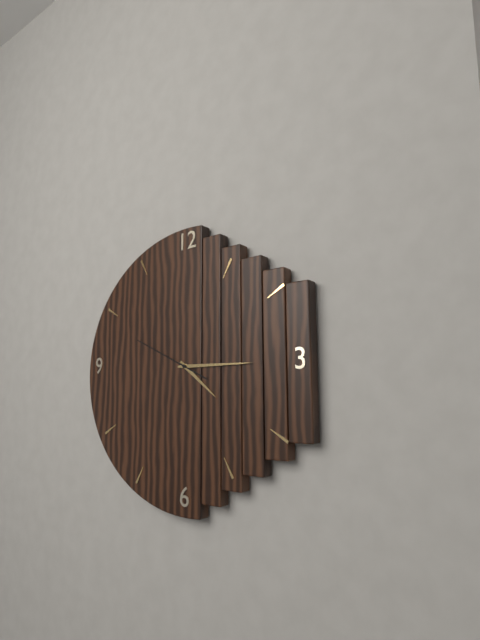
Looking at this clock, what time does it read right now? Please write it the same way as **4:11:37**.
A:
**4:15:49**
